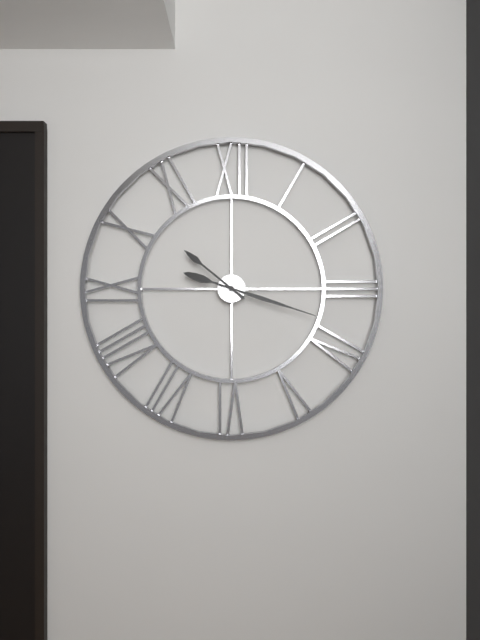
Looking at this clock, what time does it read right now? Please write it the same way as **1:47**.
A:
**10:18**
